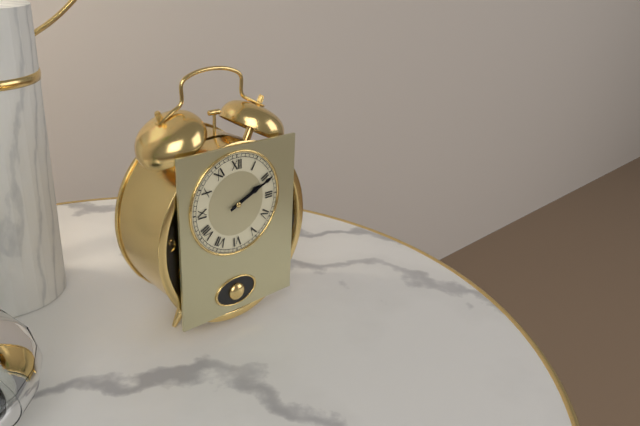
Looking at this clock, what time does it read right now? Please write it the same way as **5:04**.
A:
**2:11**
